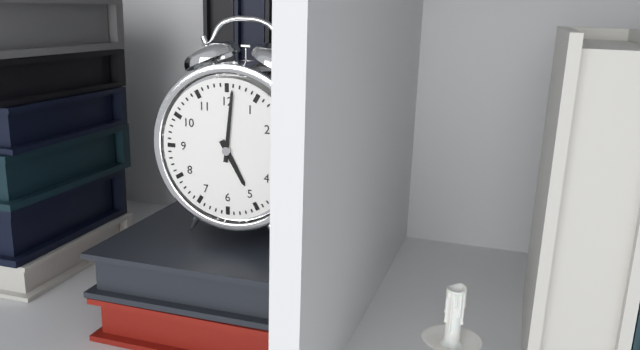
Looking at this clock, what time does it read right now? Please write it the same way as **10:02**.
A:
**5:01**
